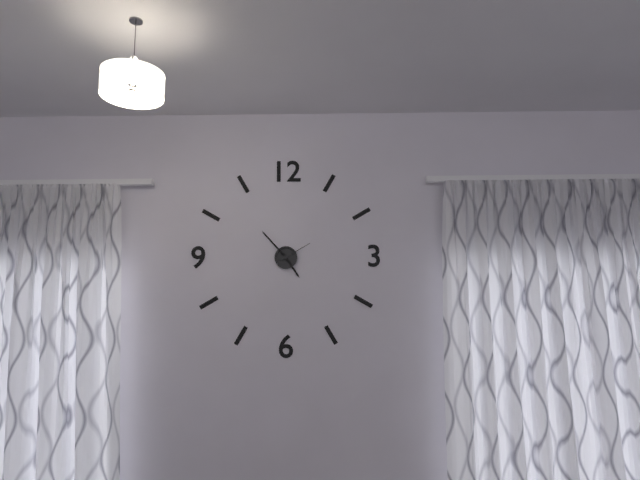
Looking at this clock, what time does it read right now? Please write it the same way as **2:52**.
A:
**4:53**
